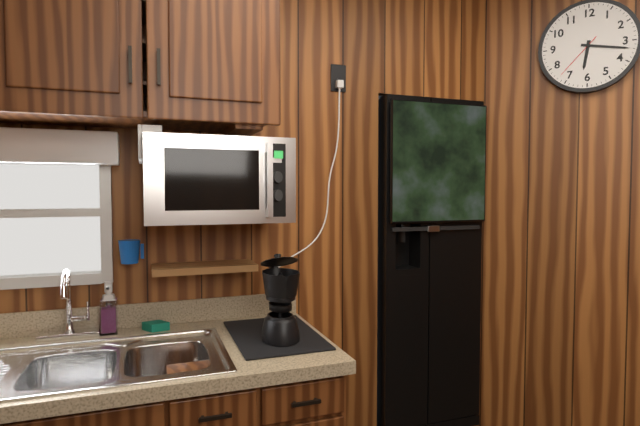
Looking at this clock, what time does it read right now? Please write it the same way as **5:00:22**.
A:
**6:17:37**
